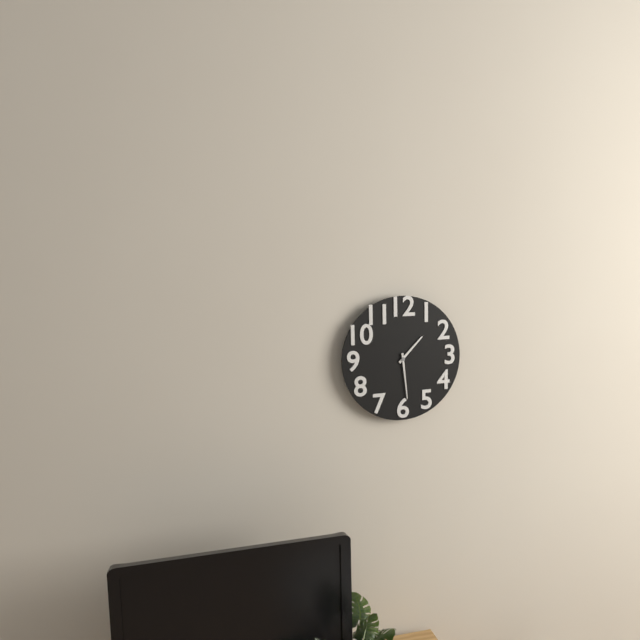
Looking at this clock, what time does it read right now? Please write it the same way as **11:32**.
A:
**1:29**
